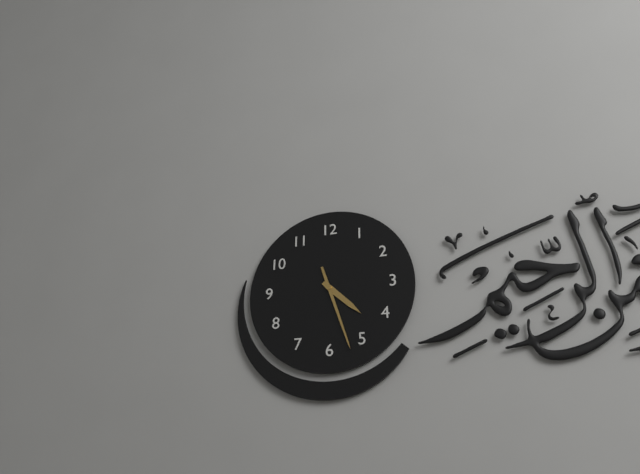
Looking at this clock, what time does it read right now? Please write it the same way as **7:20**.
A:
**4:27**
